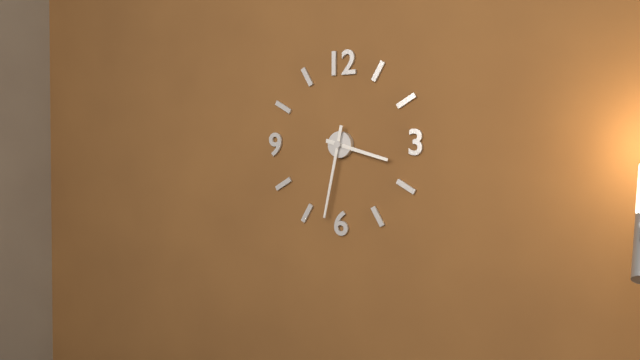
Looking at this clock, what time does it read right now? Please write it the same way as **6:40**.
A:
**3:32**
